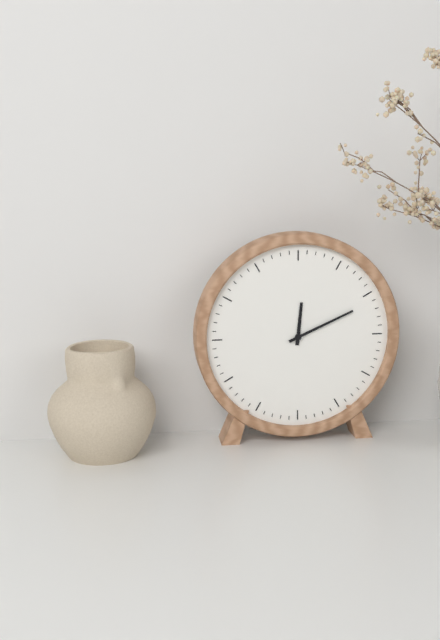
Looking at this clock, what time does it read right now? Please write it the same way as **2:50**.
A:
**12:11**
